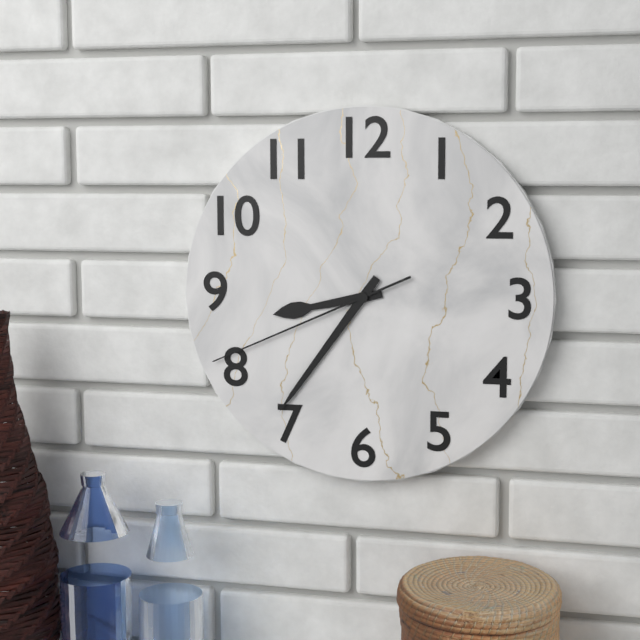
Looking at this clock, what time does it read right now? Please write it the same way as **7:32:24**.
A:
**8:36:41**
